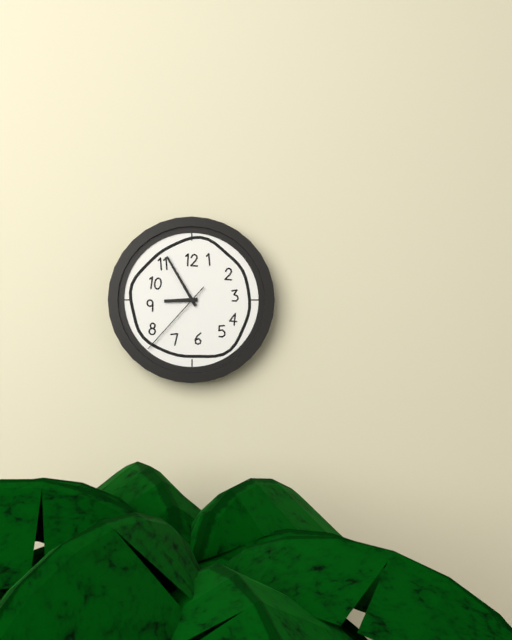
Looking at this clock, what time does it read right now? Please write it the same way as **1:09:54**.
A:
**8:55:37**
